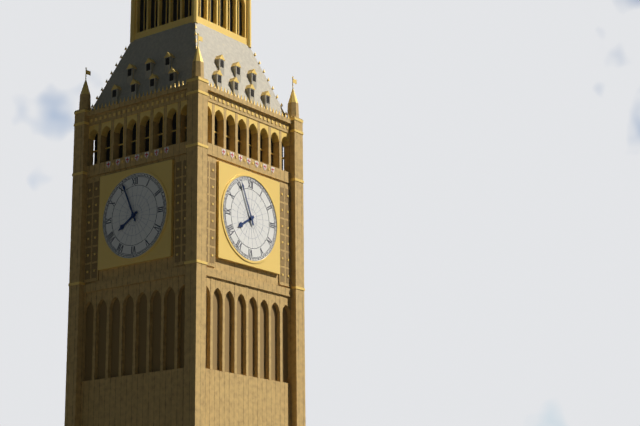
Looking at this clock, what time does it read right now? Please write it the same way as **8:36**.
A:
**7:56**
